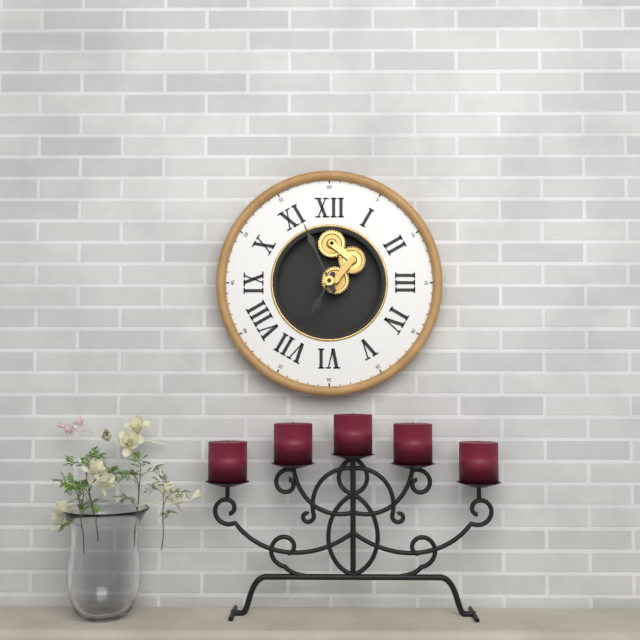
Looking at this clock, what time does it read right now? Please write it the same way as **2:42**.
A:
**6:56**
